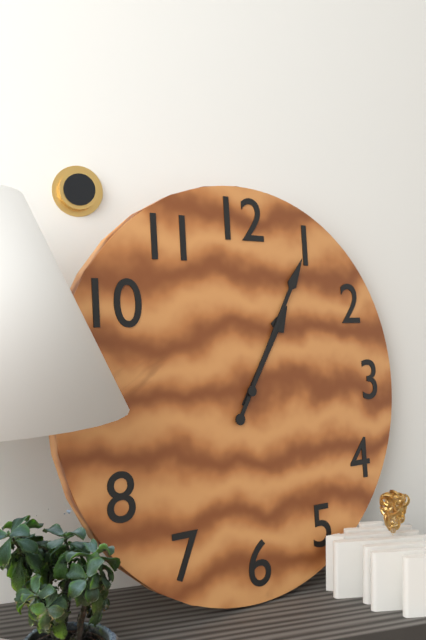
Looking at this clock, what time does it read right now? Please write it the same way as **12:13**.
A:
**1:05**
